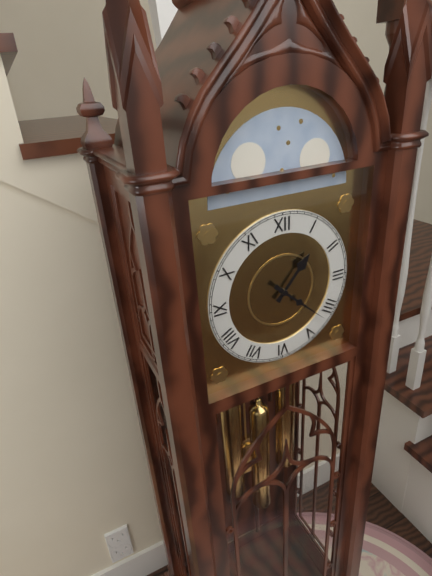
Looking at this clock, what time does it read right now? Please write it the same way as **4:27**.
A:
**1:22**
